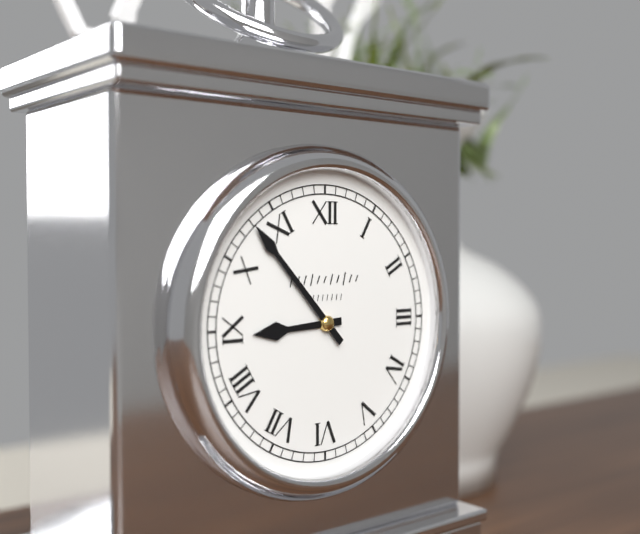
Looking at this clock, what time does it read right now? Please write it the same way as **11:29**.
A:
**8:53**
